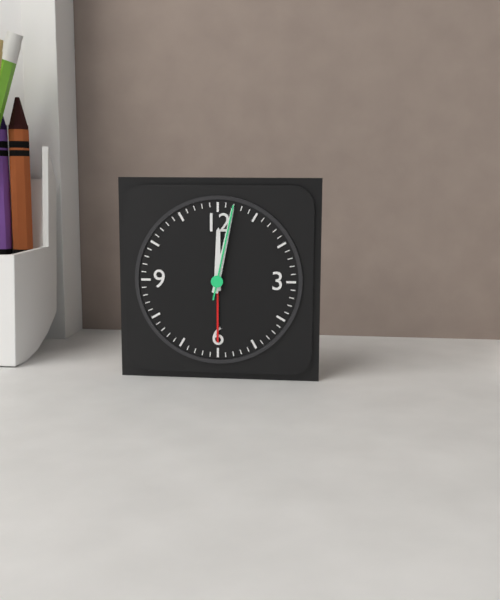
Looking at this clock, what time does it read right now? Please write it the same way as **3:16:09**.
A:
**12:02:02**
